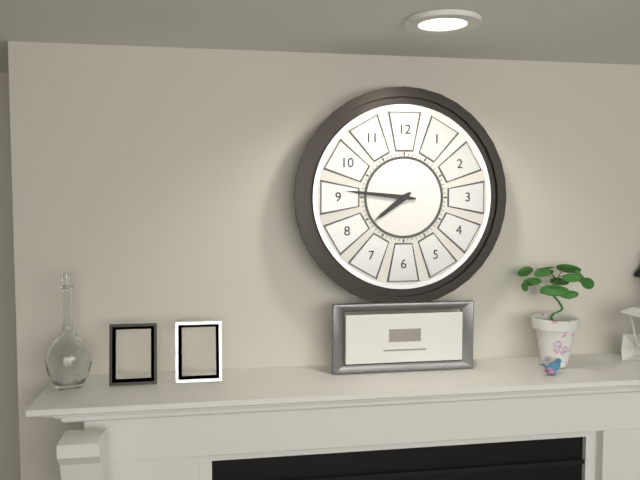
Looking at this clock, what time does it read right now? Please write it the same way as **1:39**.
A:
**7:46**
